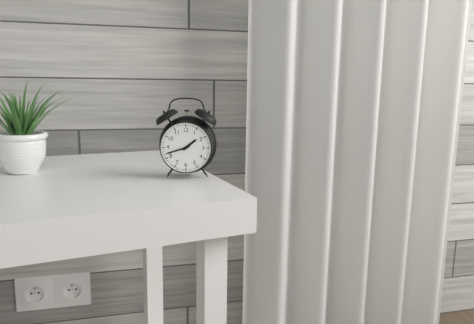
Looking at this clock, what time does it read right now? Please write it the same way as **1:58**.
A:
**1:42**
